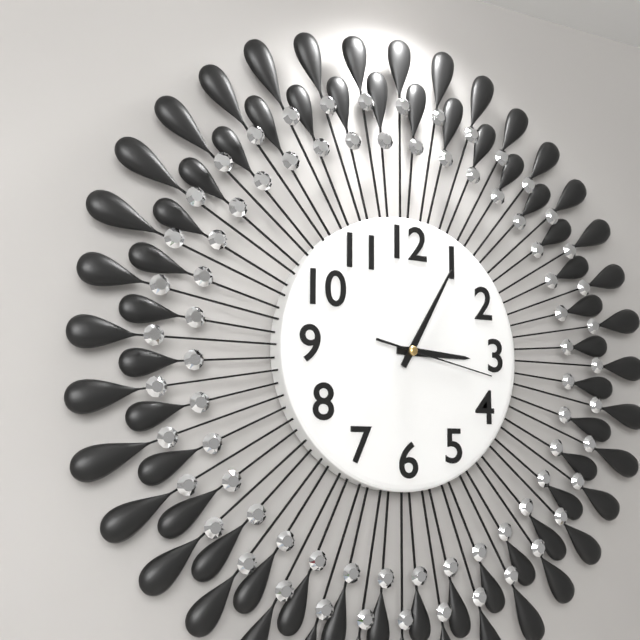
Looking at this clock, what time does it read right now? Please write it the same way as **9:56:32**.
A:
**3:05:17**
